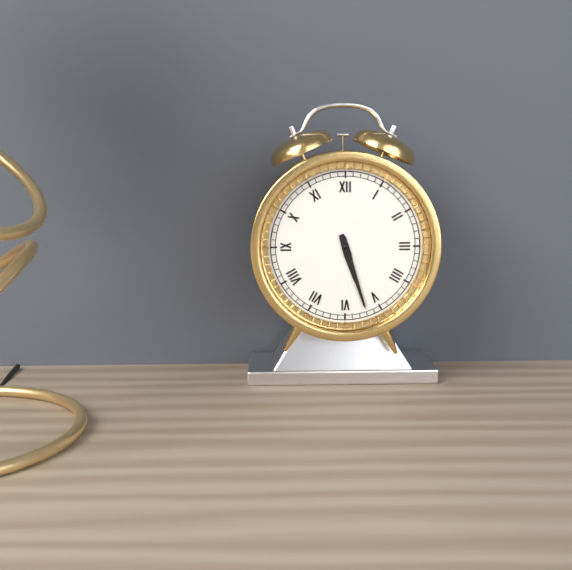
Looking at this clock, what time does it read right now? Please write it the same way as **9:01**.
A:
**5:27**
